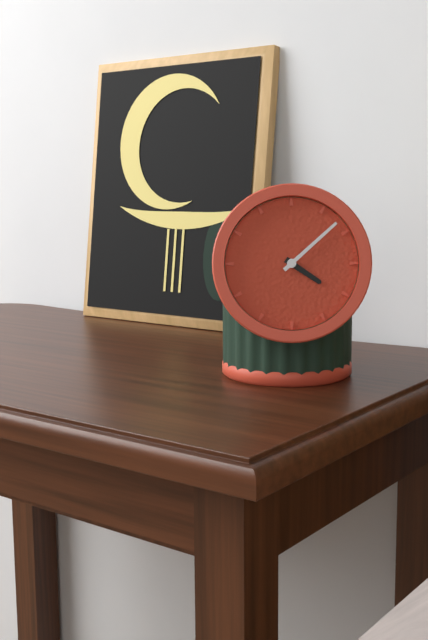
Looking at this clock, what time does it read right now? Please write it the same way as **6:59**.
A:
**4:08**
